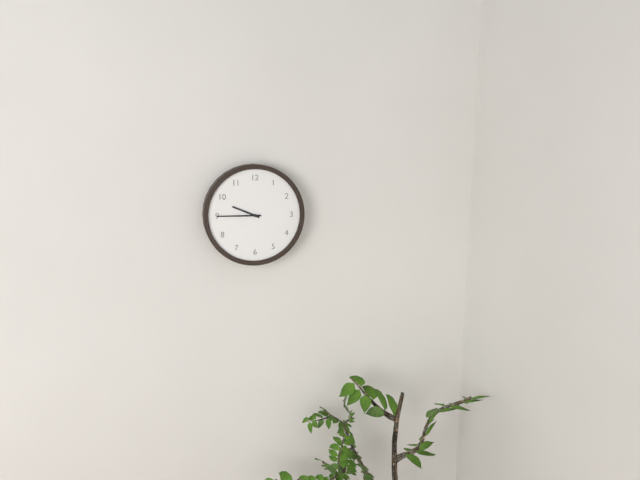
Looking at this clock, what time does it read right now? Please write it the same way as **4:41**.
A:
**9:45**
